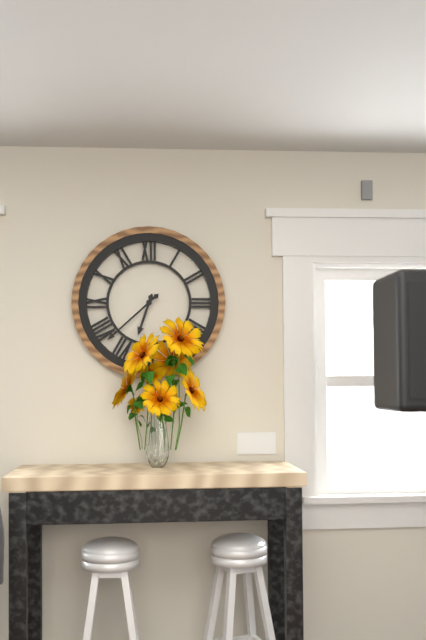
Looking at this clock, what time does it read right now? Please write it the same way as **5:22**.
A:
**6:38**
